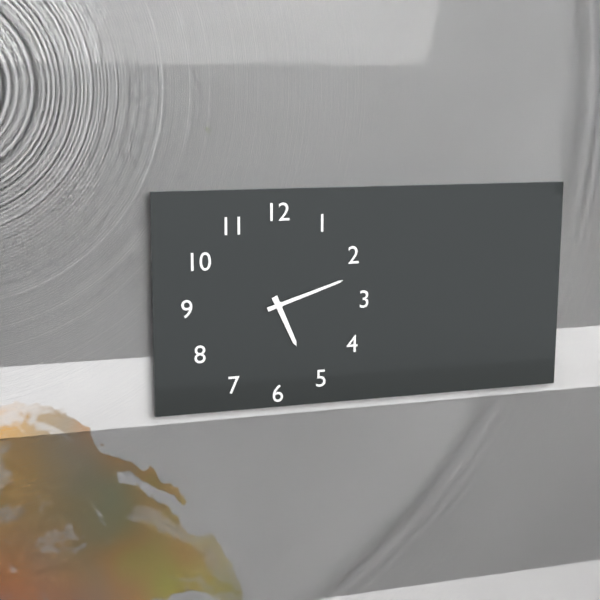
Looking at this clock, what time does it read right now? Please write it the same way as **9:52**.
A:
**5:12**
